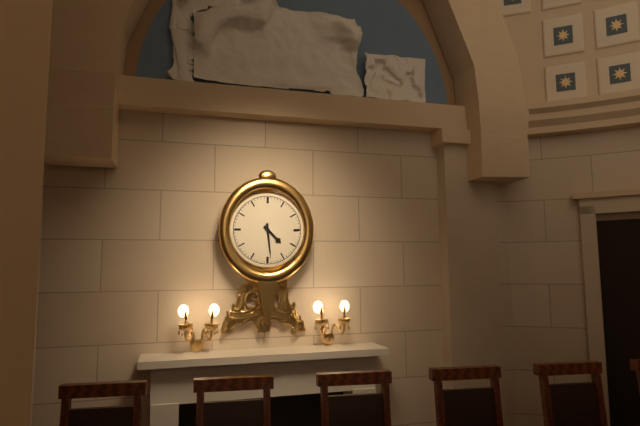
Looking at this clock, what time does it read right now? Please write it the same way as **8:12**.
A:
**4:29**
